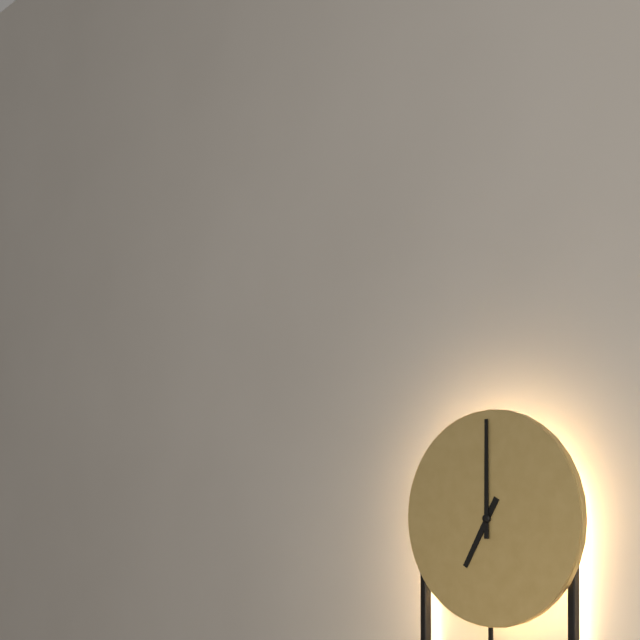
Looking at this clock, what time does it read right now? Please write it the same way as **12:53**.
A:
**7:00**
